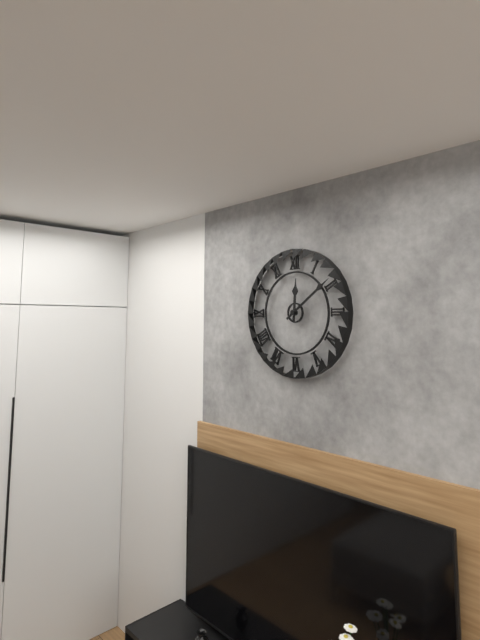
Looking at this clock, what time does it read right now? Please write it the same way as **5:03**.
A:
**12:09**
